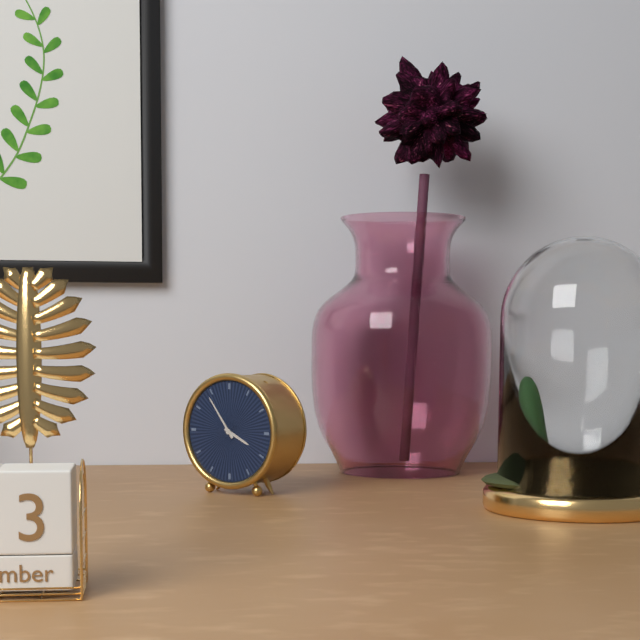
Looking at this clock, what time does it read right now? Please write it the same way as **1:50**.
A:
**3:54**
